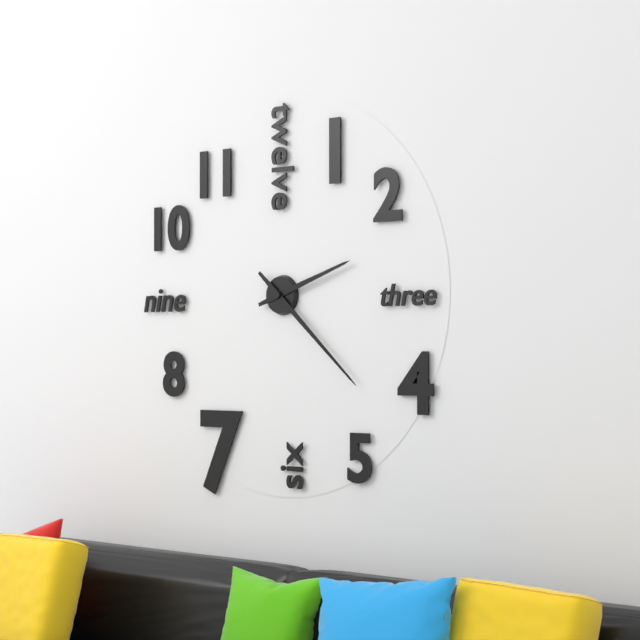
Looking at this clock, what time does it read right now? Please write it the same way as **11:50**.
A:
**2:22**
